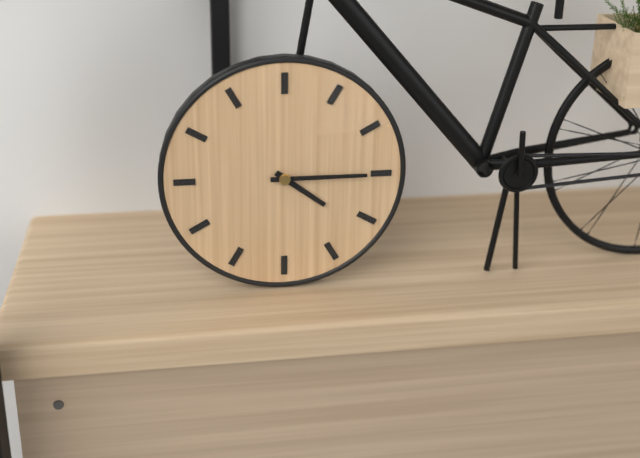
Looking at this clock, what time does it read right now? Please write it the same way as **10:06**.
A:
**4:15**
